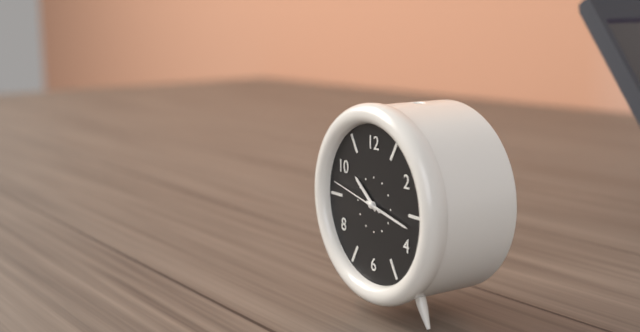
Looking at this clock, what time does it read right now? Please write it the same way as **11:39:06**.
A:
**10:17:47**
